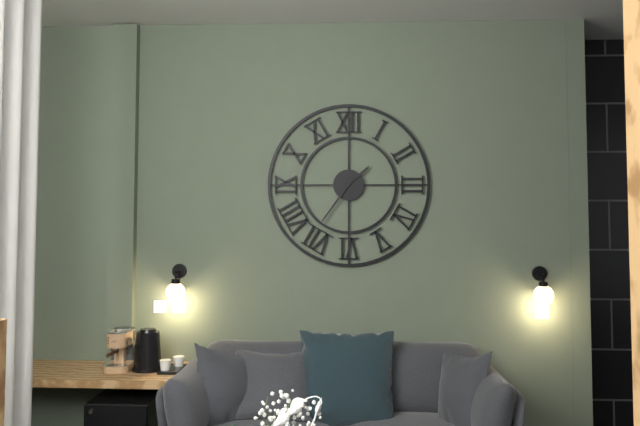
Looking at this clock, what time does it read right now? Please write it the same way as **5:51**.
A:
**1:36**
